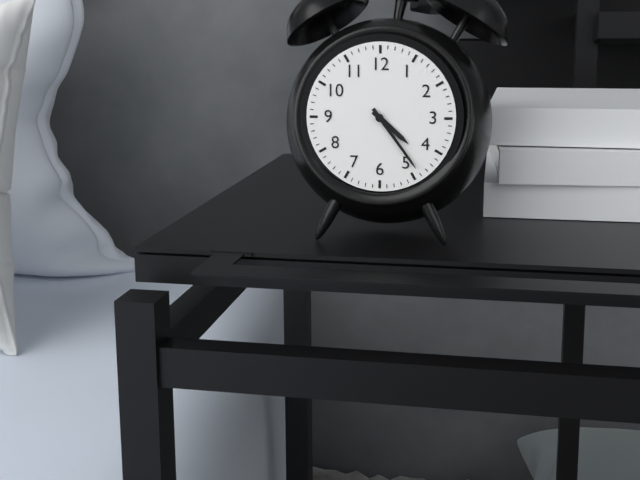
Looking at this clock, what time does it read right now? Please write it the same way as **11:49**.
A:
**4:24**
